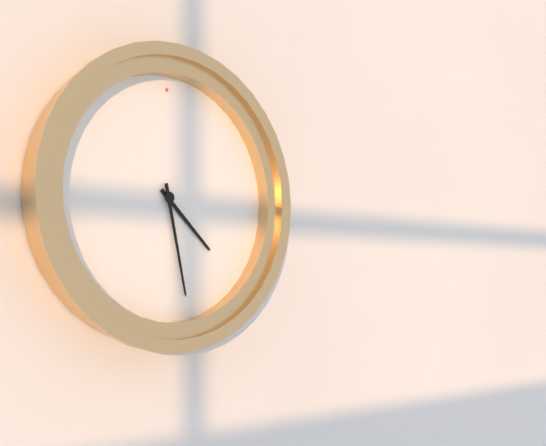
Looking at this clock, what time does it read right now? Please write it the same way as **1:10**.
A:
**4:28**
